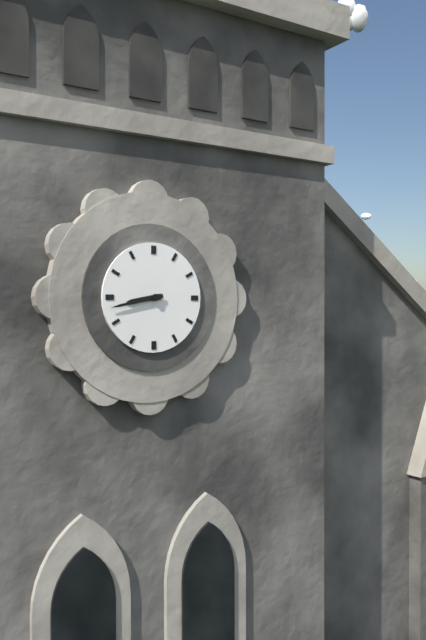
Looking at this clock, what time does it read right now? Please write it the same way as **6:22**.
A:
**8:43**
